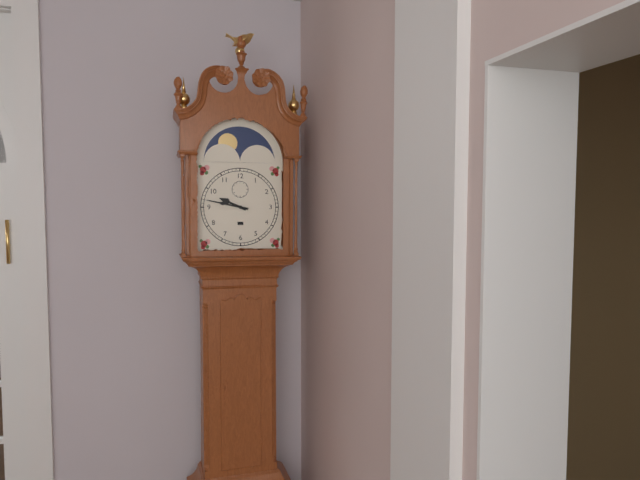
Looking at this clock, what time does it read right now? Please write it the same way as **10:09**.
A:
**9:47**
